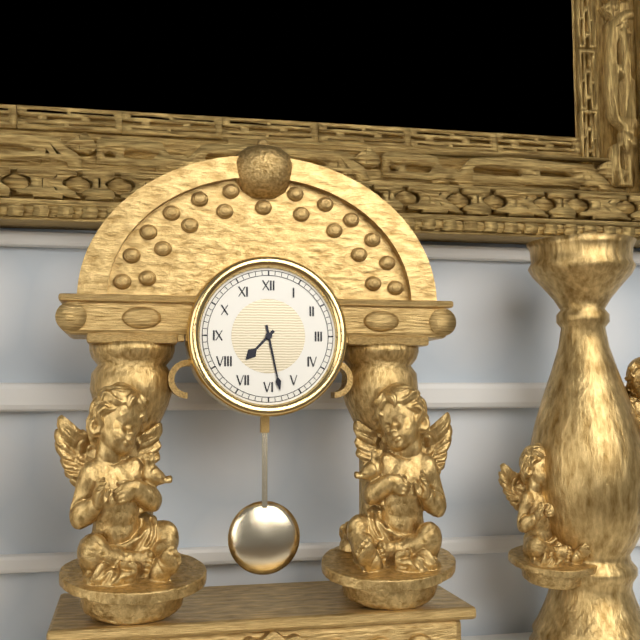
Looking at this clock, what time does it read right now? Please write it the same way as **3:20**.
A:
**7:28**
